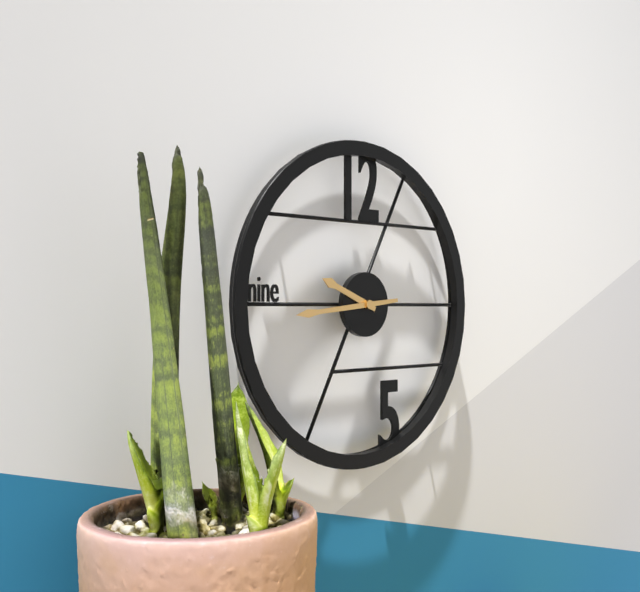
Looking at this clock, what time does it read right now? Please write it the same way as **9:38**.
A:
**9:44**
